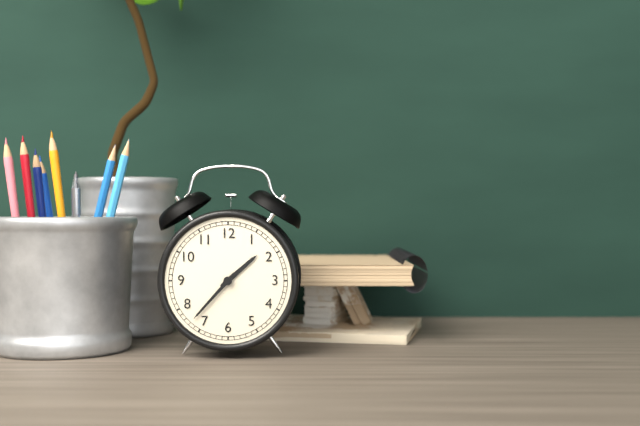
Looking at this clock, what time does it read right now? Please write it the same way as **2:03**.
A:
**1:37**
